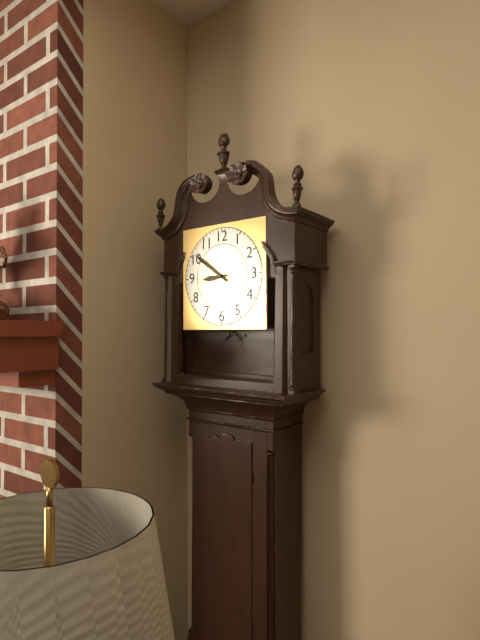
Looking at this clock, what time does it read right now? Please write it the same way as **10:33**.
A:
**8:51**
